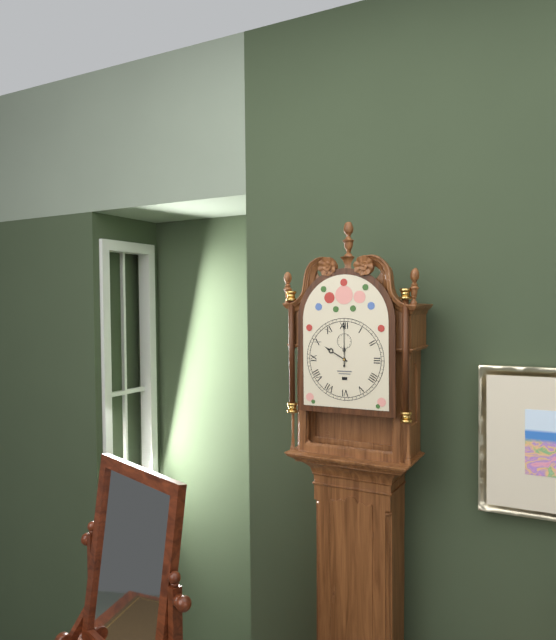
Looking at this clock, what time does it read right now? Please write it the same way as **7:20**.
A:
**10:00**
